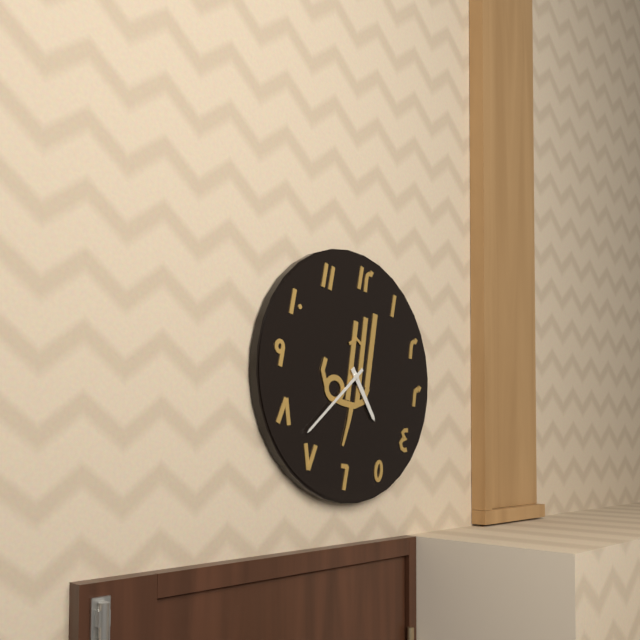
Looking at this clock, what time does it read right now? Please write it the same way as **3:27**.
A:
**4:37**
